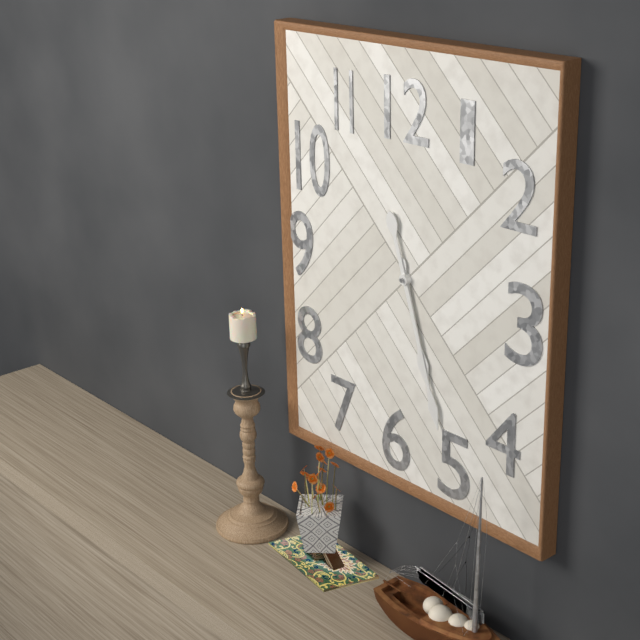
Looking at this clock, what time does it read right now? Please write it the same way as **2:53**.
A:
**5:27**
